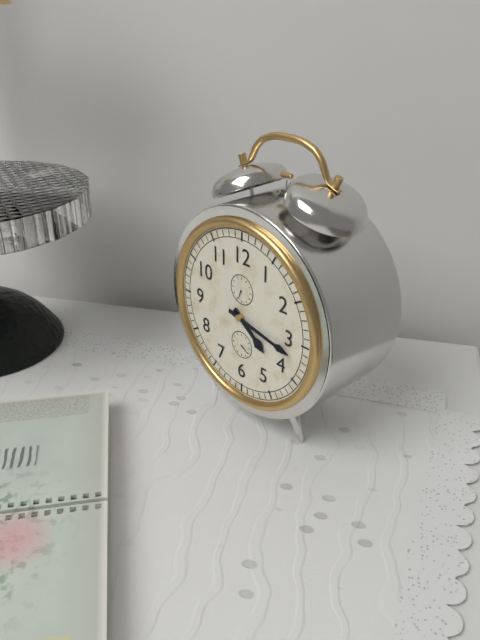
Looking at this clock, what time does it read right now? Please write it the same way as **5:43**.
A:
**4:17**
